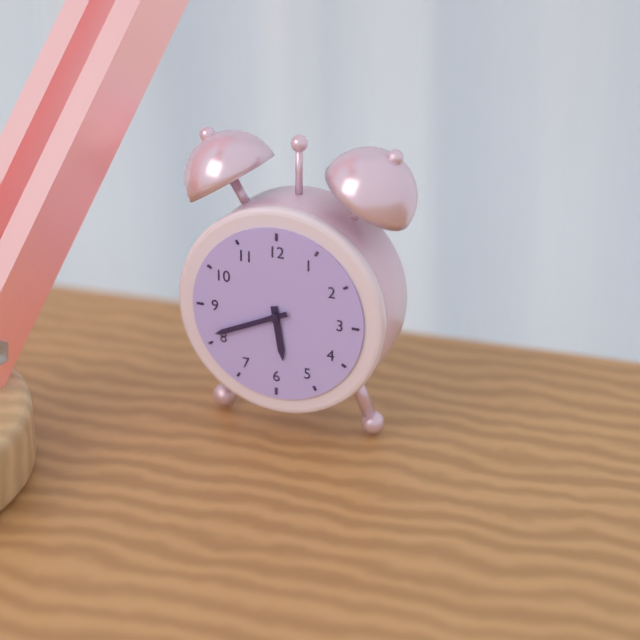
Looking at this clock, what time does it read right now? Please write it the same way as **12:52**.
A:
**5:41**
